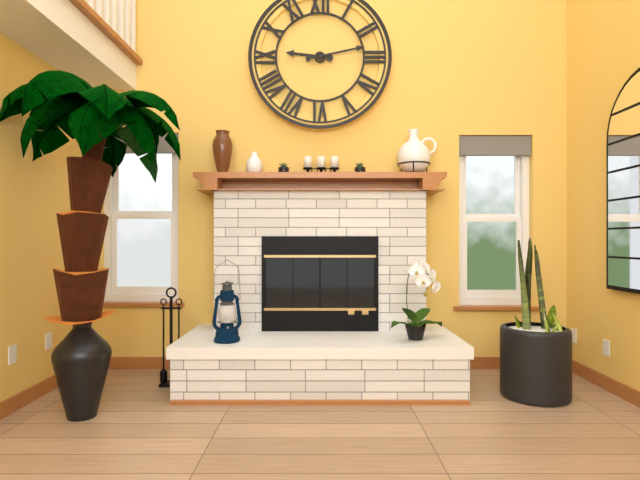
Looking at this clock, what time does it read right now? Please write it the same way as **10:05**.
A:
**9:13**
